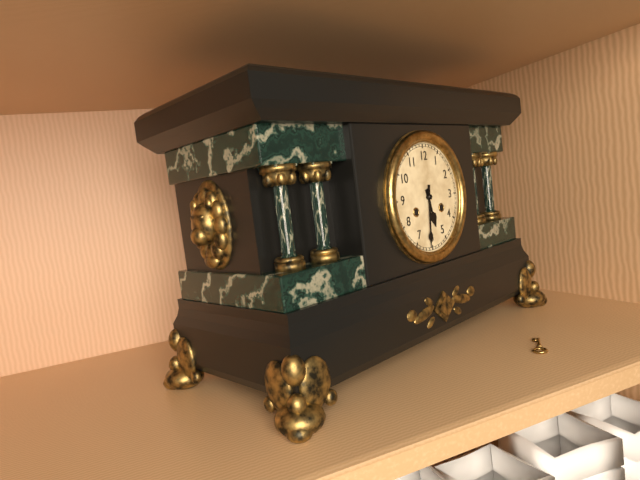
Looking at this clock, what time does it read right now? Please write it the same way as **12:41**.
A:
**5:31**
